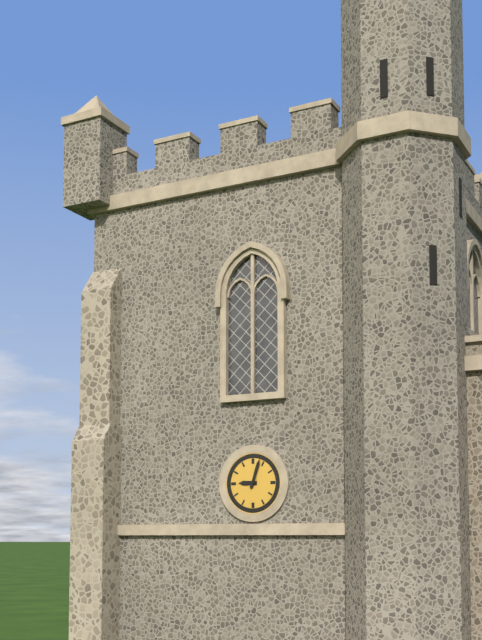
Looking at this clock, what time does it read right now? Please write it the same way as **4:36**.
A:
**9:03**
